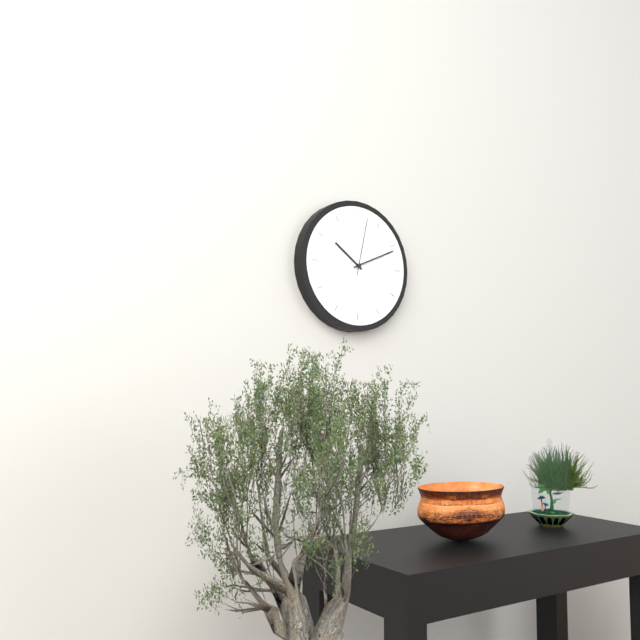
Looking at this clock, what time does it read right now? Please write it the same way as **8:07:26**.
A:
**10:11:02**
